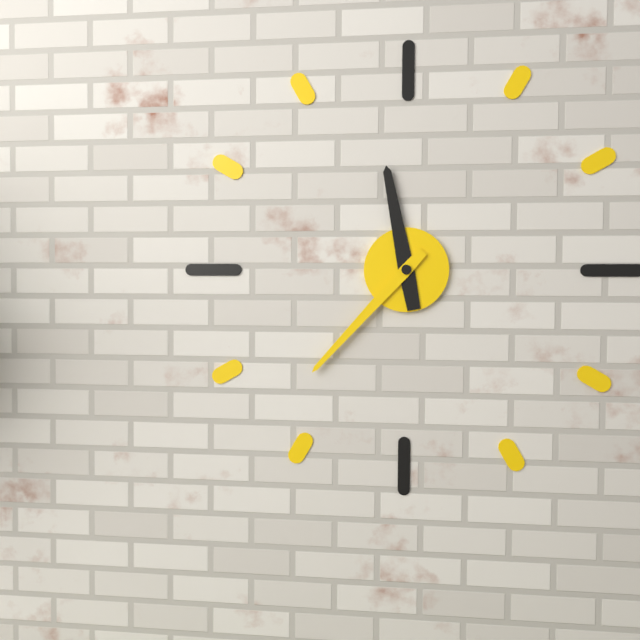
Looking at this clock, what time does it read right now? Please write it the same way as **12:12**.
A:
**11:37**
